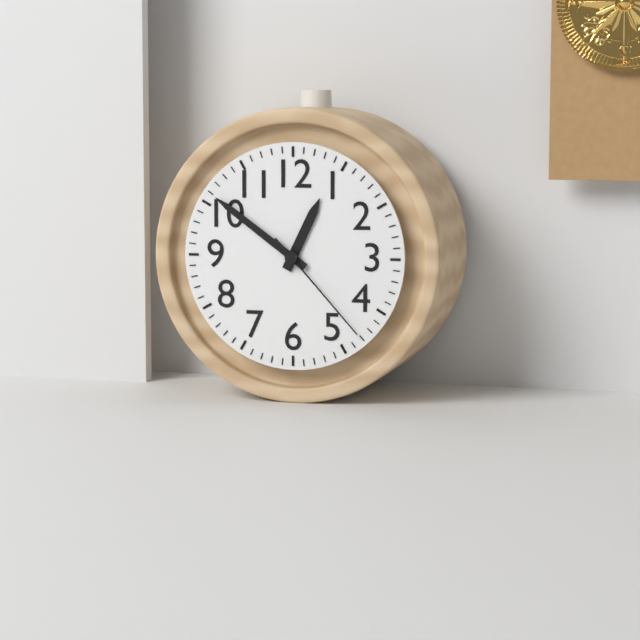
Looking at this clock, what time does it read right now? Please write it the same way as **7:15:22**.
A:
**12:51:23**
